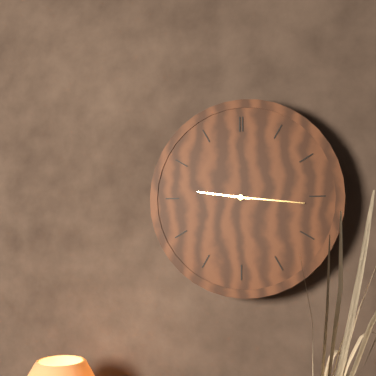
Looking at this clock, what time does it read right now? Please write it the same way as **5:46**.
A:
**9:16**
